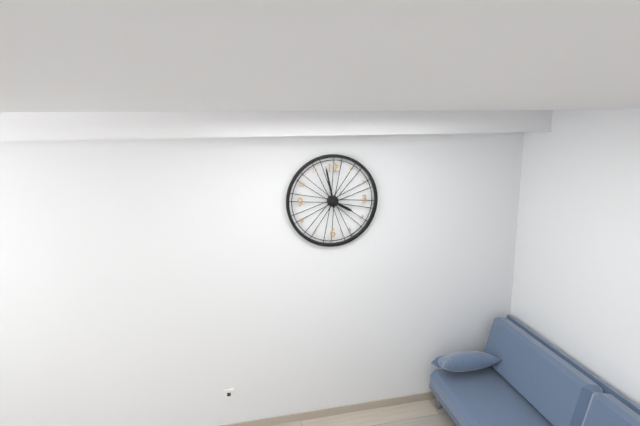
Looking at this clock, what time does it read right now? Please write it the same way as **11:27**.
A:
**3:58**
